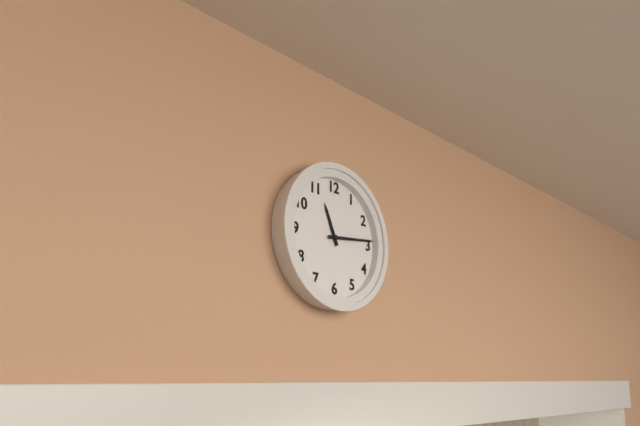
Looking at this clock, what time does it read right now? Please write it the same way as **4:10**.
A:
**11:14**
